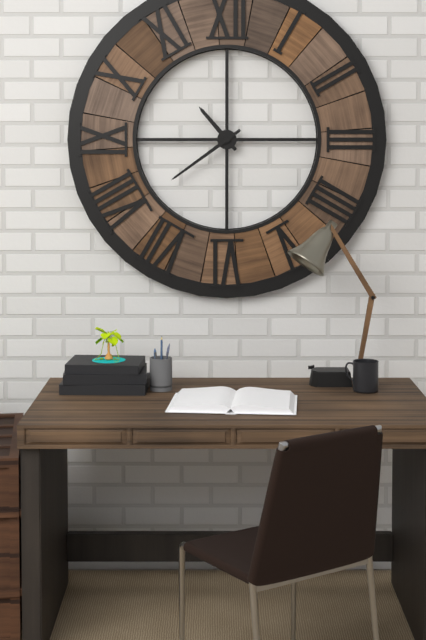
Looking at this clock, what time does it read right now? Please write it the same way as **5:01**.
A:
**10:39**
